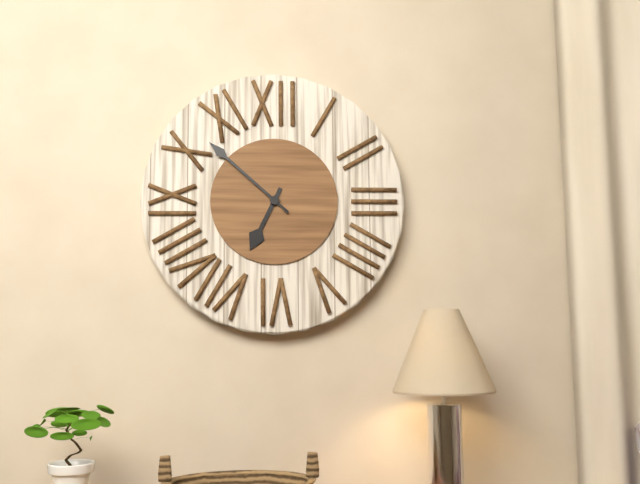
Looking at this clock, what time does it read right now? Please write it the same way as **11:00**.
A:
**6:52**
